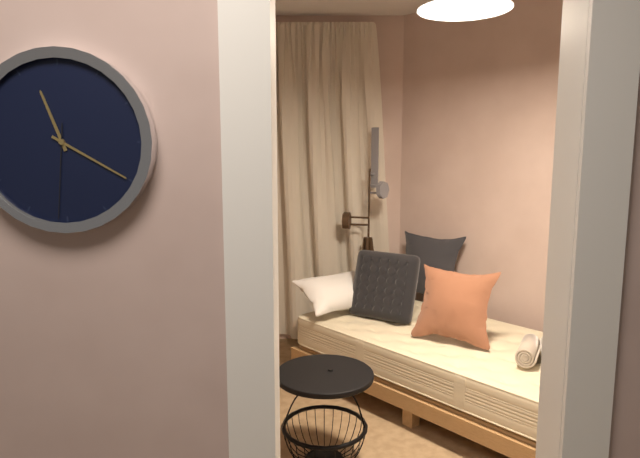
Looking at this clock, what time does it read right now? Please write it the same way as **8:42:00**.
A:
**11:20:31**
